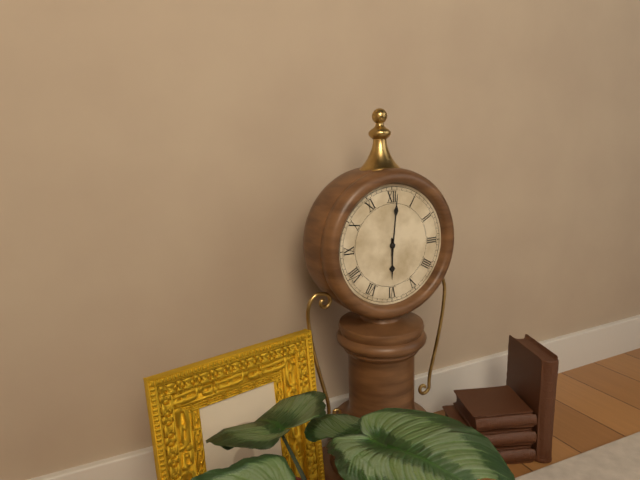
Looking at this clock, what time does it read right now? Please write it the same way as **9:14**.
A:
**6:01**
